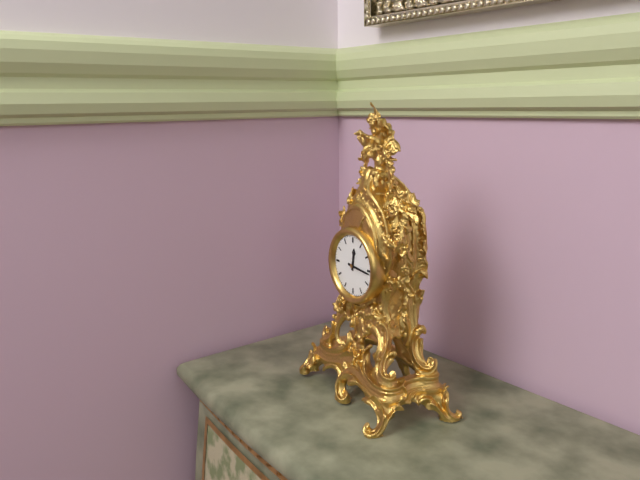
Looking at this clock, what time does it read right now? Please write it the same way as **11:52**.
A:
**12:16**
